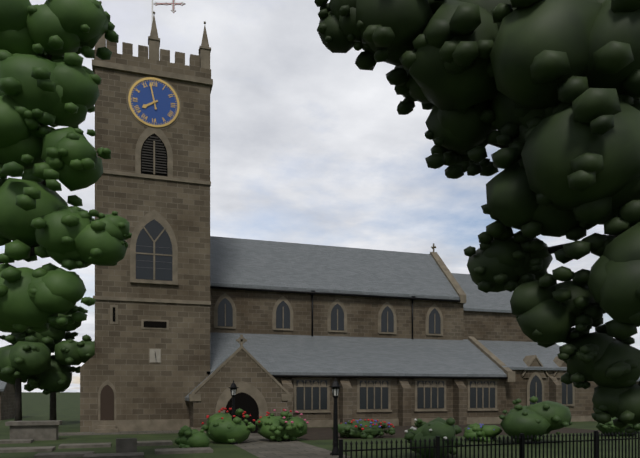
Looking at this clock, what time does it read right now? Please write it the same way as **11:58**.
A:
**7:58**
